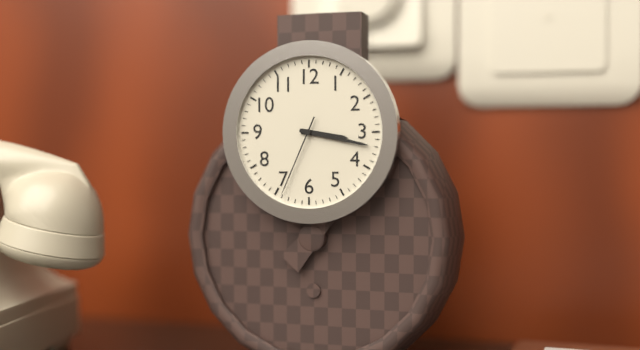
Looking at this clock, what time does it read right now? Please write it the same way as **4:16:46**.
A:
**3:17:34**
